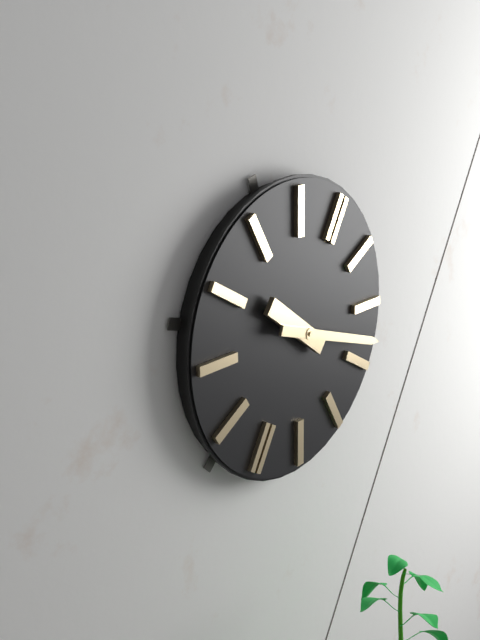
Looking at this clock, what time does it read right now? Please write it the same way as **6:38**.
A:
**9:13**
